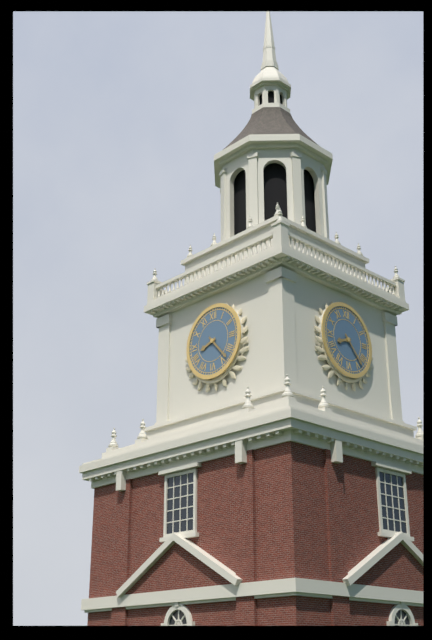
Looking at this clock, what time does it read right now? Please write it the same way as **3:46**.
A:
**8:23**
